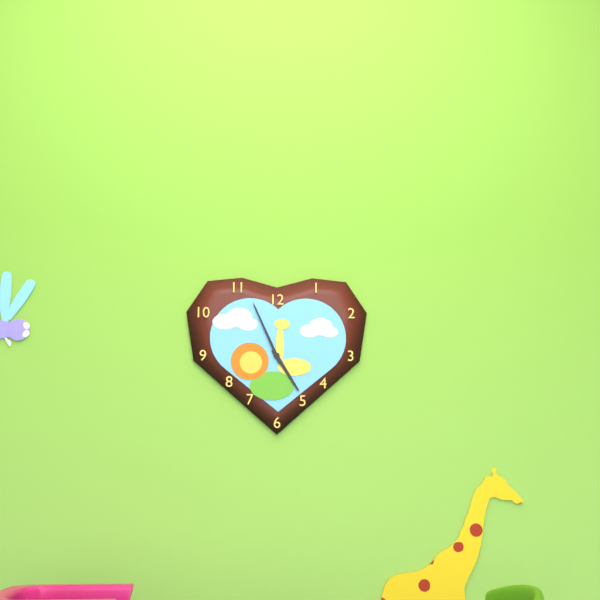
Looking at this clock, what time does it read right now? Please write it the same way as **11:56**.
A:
**4:56**
